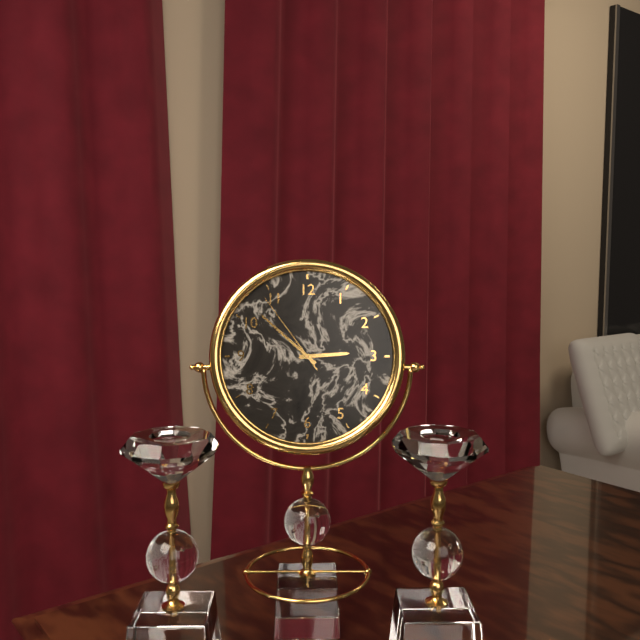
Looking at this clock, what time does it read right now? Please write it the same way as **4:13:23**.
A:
**2:52:54**
